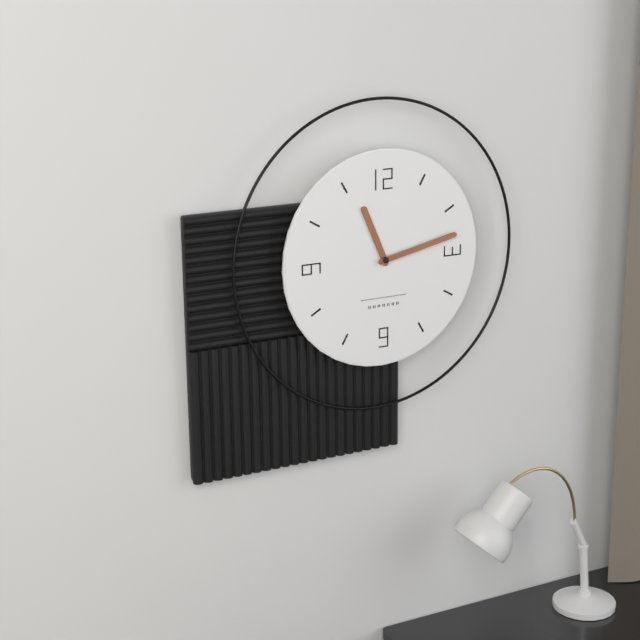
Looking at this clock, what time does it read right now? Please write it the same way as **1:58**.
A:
**11:13**
